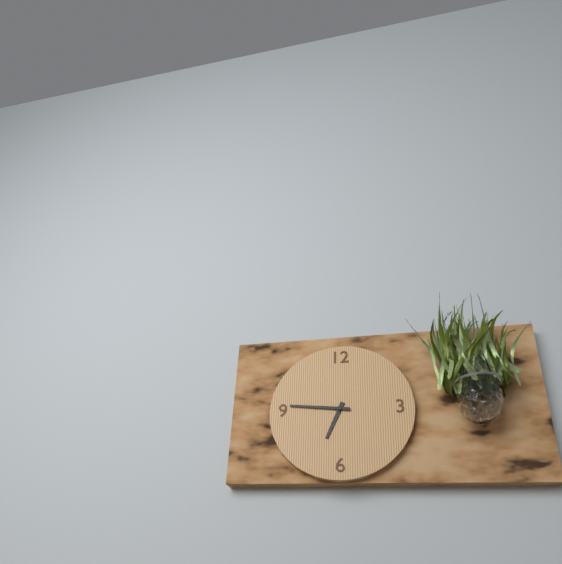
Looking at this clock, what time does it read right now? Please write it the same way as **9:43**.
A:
**6:46**
